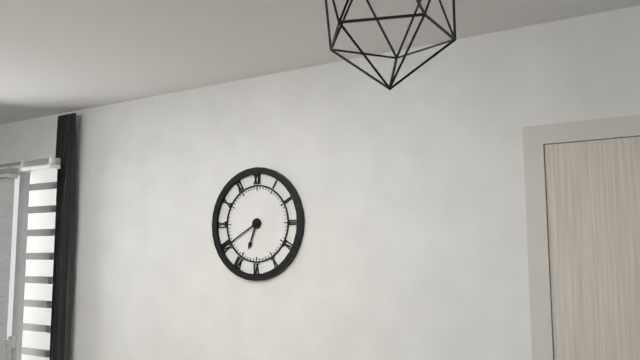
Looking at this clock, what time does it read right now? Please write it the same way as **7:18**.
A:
**6:40**
